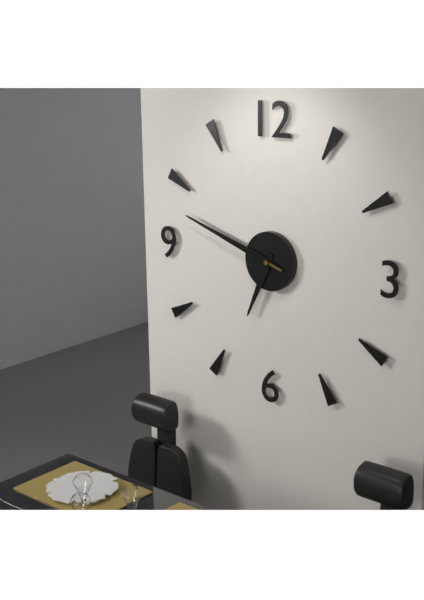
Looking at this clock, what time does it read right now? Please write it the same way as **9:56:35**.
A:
**6:48:48**
